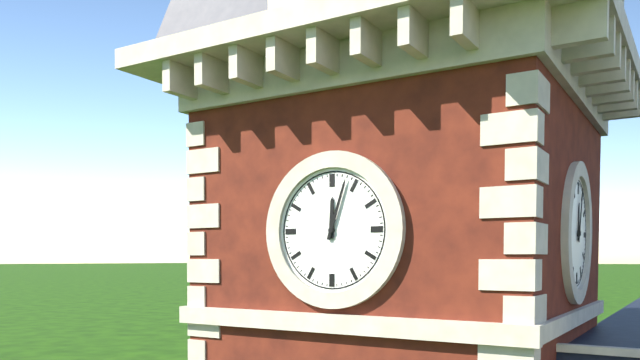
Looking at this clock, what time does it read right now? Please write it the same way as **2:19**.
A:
**12:03**
